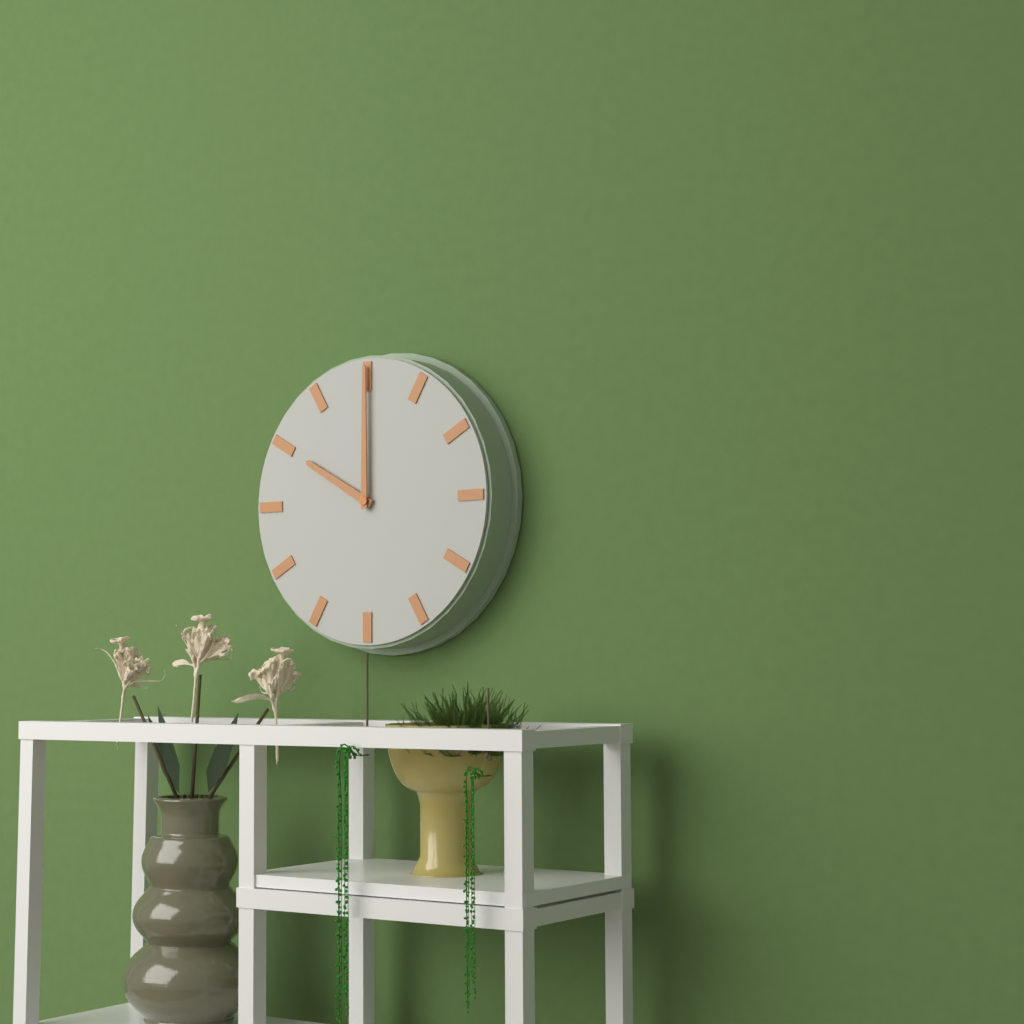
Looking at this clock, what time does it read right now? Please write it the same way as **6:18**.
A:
**10:00**
